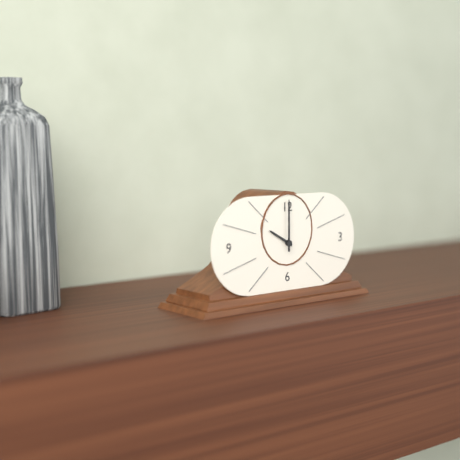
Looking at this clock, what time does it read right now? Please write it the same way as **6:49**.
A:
**10:00**
